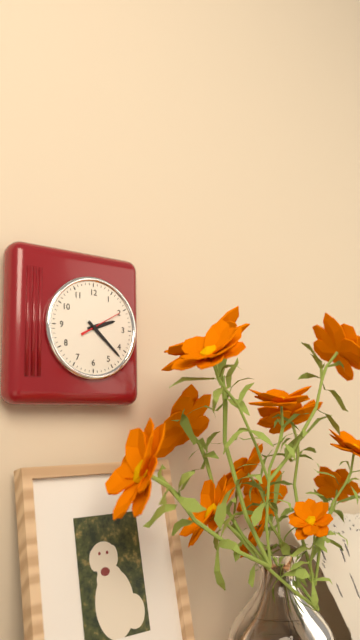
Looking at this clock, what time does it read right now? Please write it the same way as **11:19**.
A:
**2:22**
